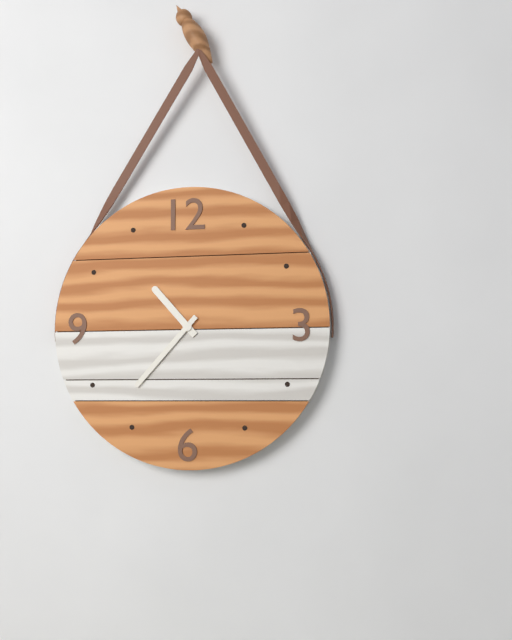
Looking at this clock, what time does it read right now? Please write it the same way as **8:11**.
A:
**10:37**
